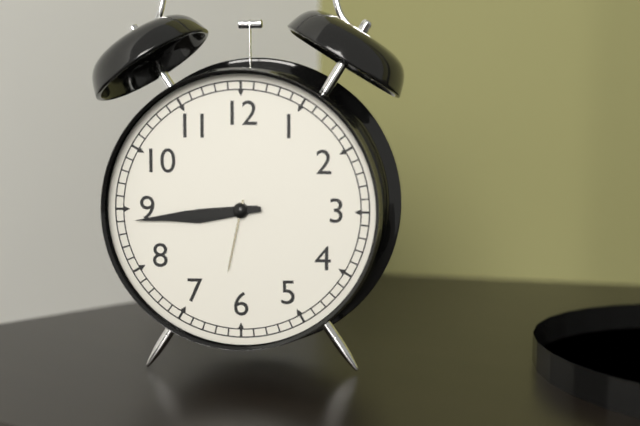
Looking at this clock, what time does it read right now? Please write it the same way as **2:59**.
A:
**8:44**
